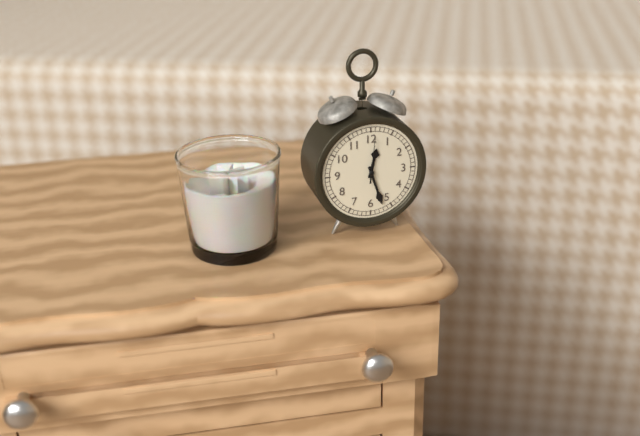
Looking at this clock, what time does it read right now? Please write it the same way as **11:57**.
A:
**12:27**
